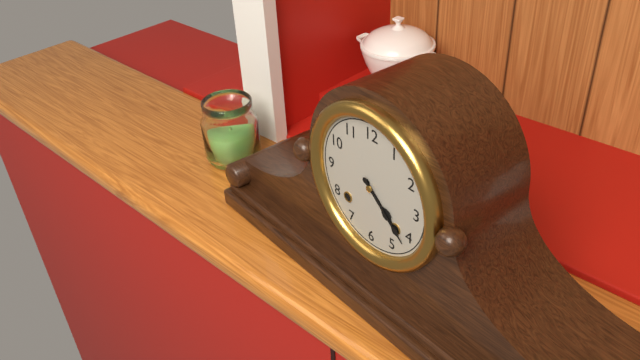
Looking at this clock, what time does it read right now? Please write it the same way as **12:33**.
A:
**4:22**
